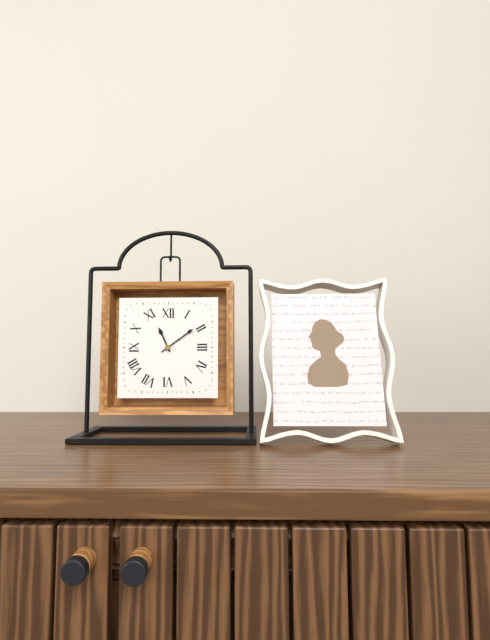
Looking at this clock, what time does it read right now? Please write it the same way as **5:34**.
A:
**11:09**
